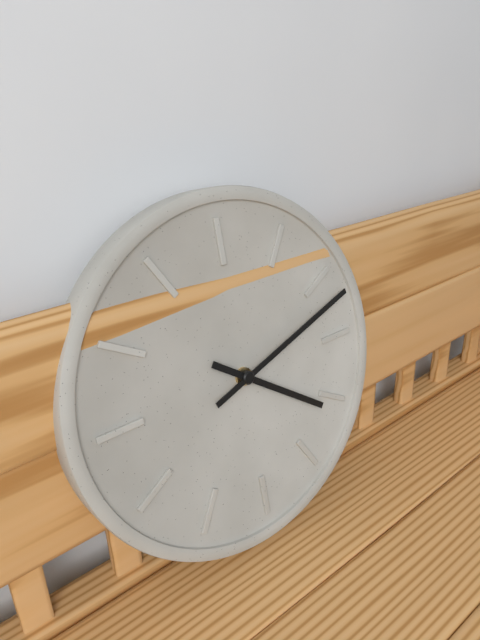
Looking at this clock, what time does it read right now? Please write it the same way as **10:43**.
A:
**4:12**
